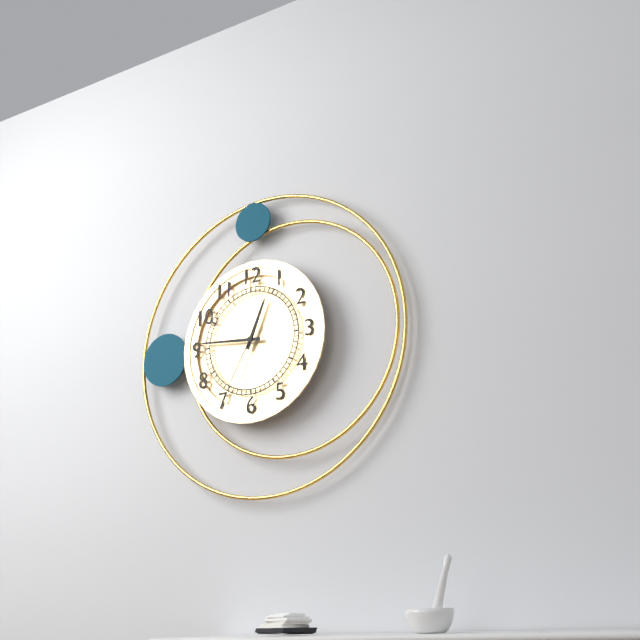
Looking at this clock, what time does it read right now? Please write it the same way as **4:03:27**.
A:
**12:46:35**
